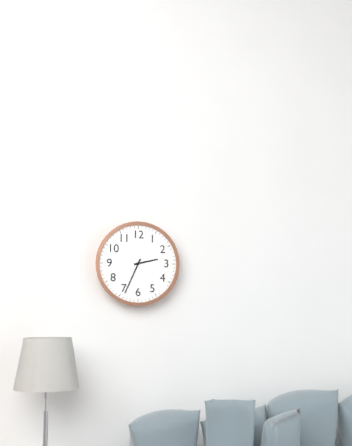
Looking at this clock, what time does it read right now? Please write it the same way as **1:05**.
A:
**2:34**
